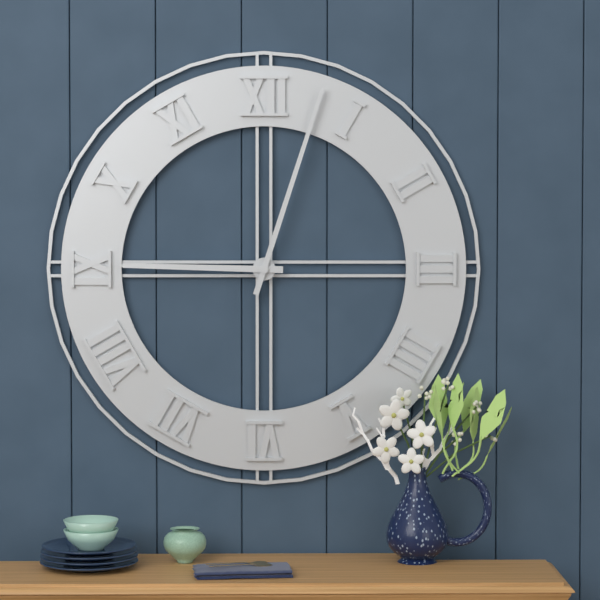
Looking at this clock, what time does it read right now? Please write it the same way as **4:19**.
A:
**9:03**
